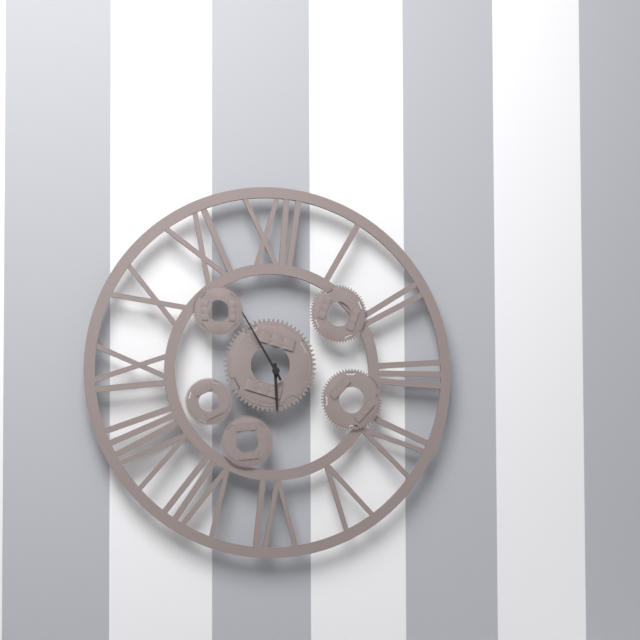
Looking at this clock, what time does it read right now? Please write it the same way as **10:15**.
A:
**5:55**
